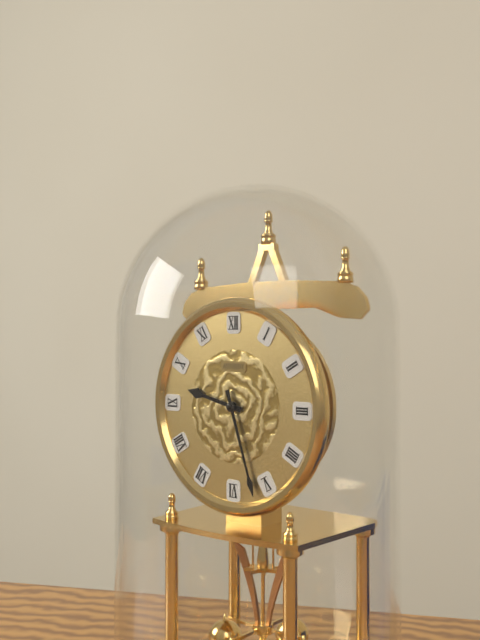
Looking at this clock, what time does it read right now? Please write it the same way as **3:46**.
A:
**9:27**
